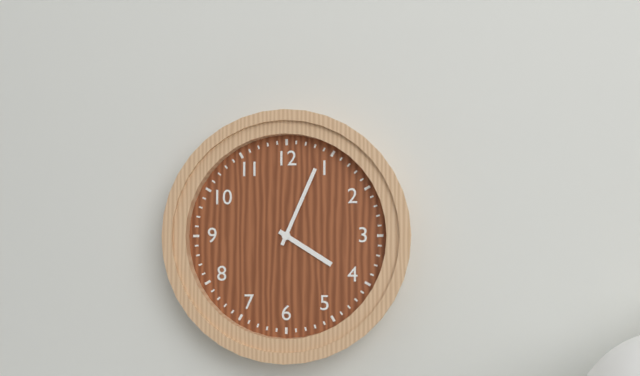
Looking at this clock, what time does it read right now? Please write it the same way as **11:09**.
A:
**4:04**
